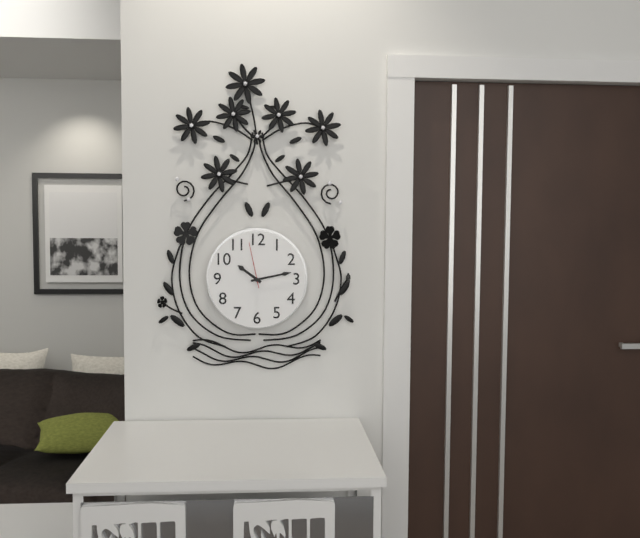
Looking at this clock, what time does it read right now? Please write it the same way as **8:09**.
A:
**10:13**
